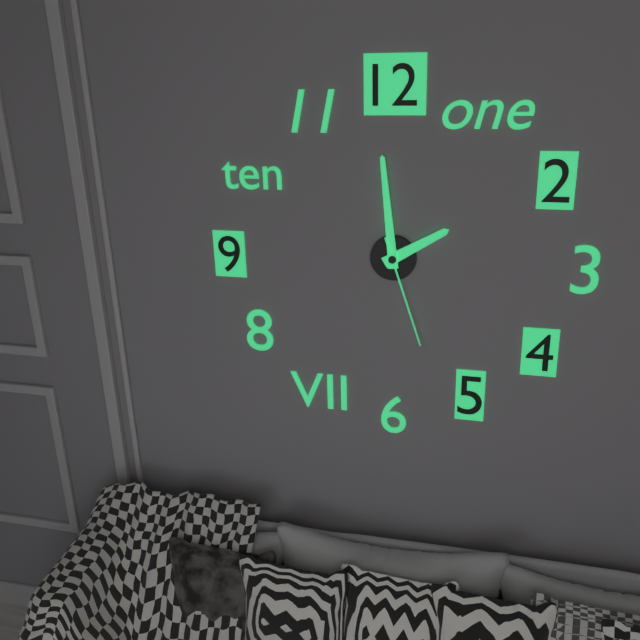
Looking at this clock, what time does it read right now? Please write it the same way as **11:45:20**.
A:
**1:59:27**
